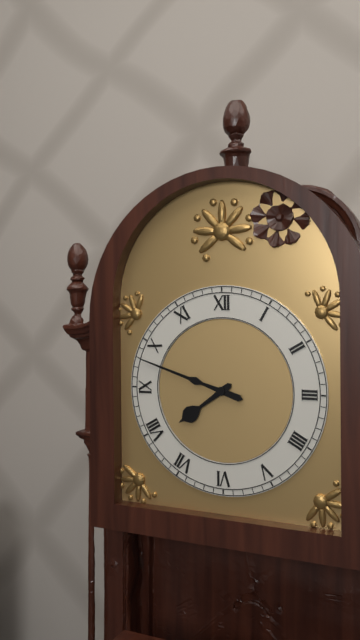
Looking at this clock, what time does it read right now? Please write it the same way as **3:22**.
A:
**7:48**
